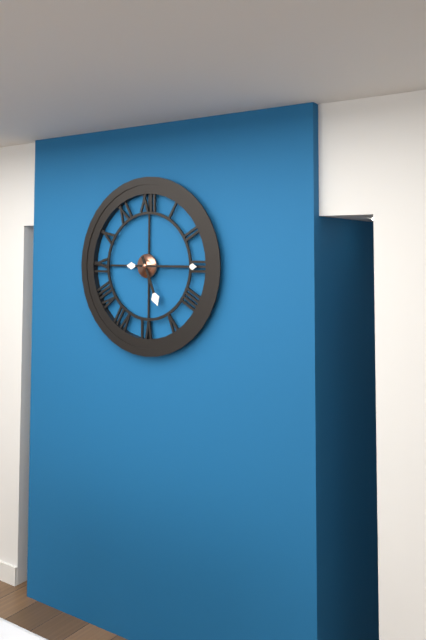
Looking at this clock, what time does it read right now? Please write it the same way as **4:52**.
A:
**5:15**
